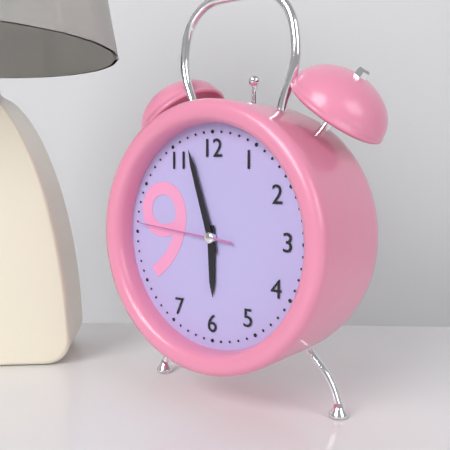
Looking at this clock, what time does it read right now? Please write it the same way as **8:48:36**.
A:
**5:57:46**
